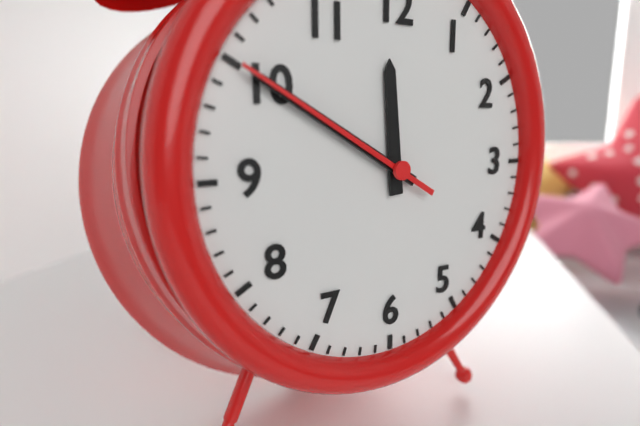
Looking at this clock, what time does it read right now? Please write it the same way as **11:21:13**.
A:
**11:50:50**
